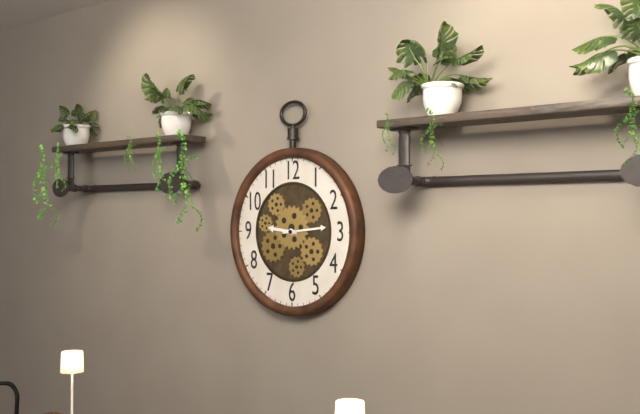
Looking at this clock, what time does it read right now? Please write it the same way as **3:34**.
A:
**9:14**
